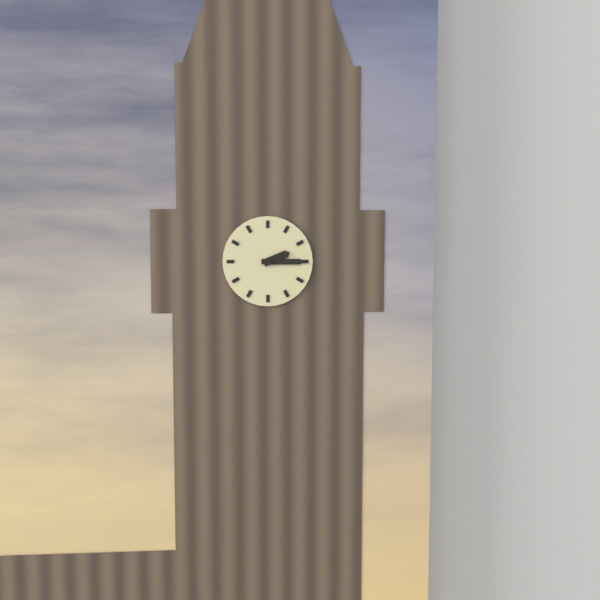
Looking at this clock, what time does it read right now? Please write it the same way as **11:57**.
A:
**2:15**
